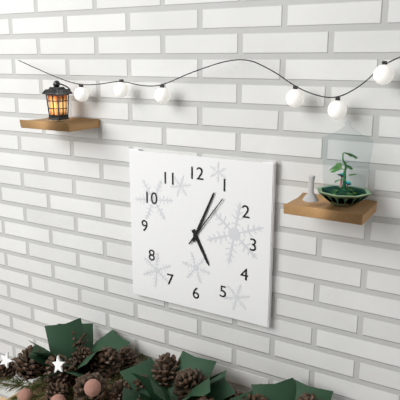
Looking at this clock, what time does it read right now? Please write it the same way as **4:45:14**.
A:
**5:04:06**
